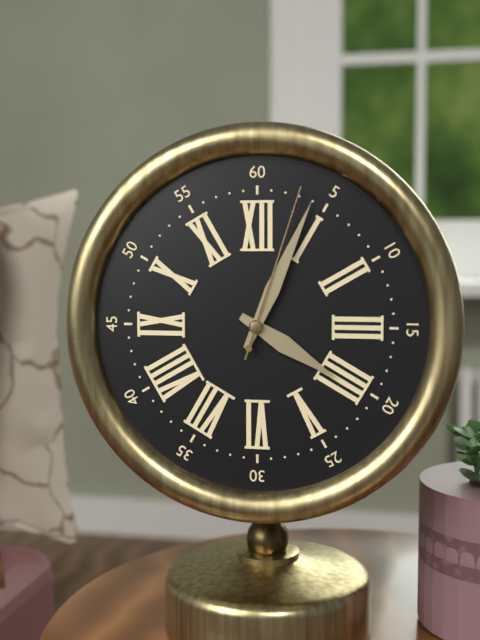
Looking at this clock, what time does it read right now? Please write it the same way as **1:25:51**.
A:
**4:04:03**
